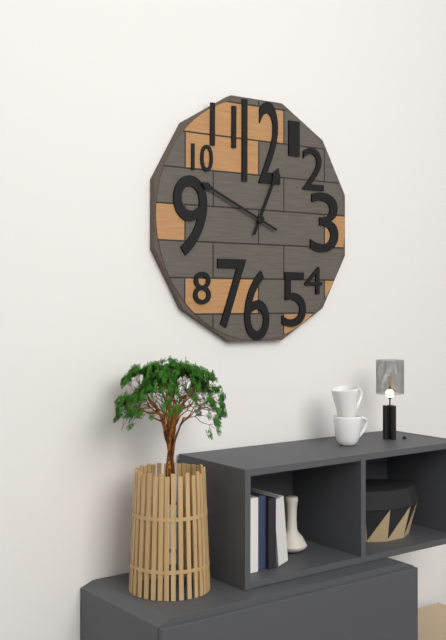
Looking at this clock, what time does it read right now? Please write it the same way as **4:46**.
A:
**12:49**
